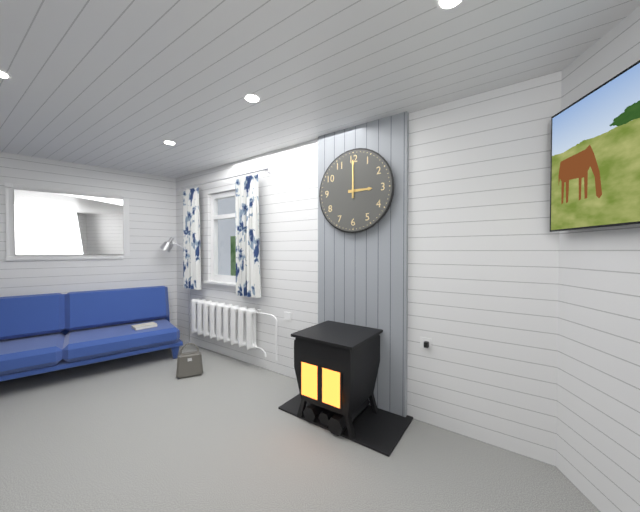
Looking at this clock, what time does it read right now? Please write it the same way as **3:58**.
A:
**3:00**
